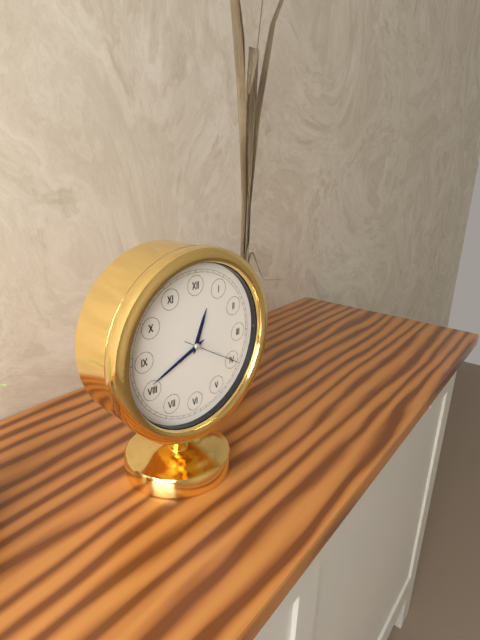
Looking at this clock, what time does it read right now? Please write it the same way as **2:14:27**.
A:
**12:41:20**
